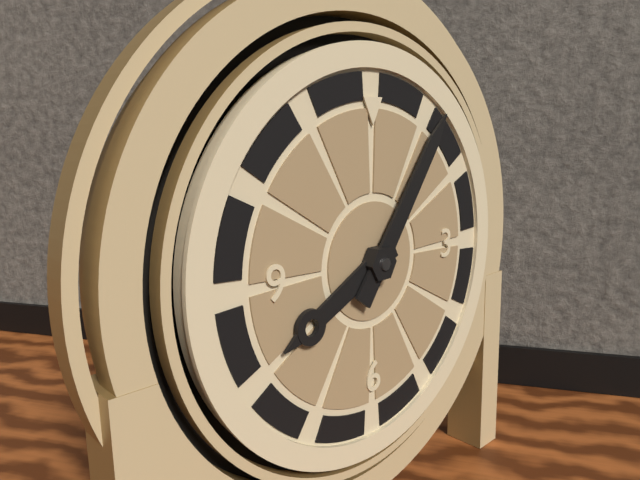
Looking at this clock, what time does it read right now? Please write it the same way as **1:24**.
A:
**8:06**
